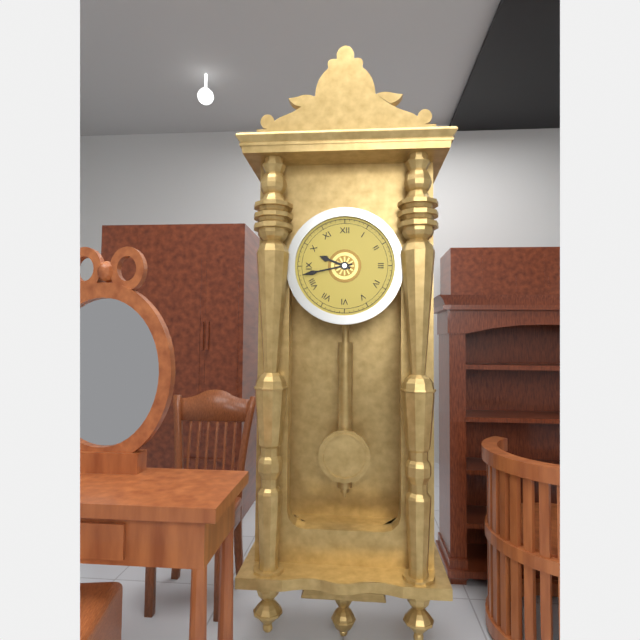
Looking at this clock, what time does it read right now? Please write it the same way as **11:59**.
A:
**9:43**
